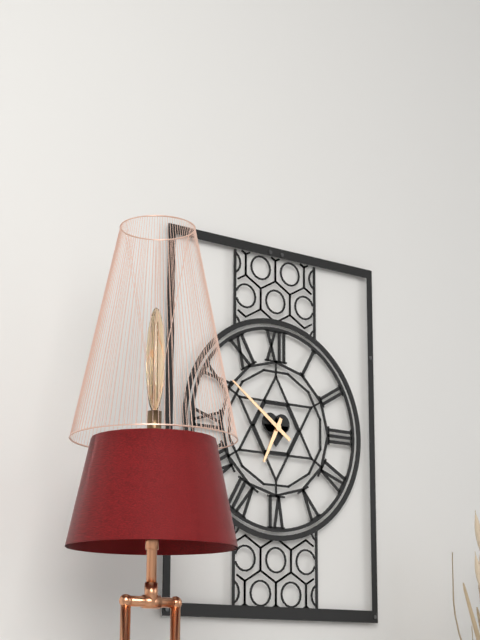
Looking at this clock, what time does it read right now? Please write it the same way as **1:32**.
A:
**6:51**
